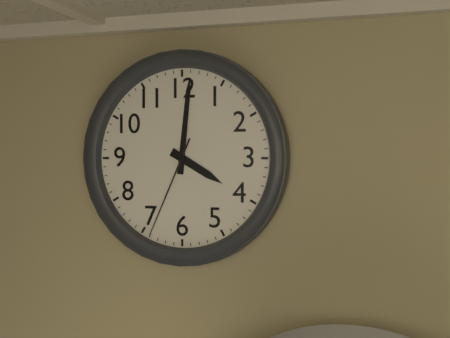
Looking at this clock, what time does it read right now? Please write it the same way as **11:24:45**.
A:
**4:01:34**
